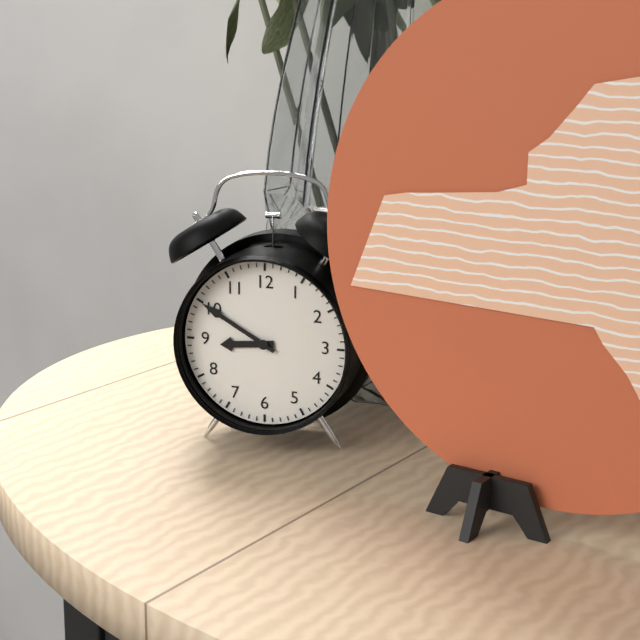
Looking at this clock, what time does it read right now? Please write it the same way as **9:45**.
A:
**8:50**
